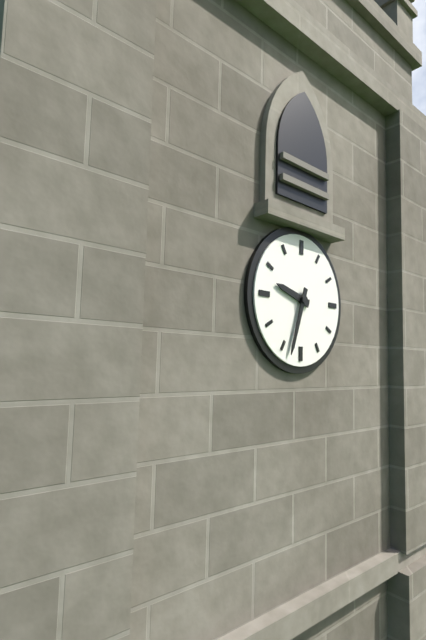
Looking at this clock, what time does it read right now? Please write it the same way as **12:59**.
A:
**9:33**
